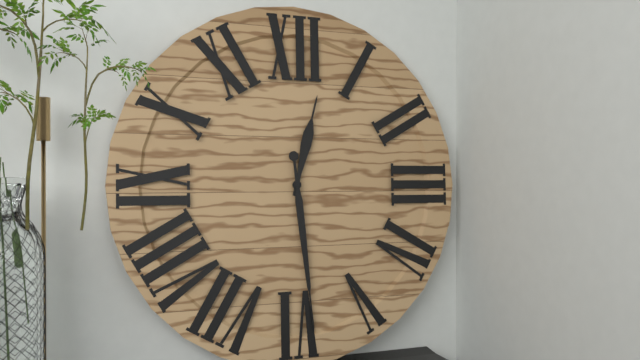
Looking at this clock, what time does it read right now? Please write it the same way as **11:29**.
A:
**12:29**
